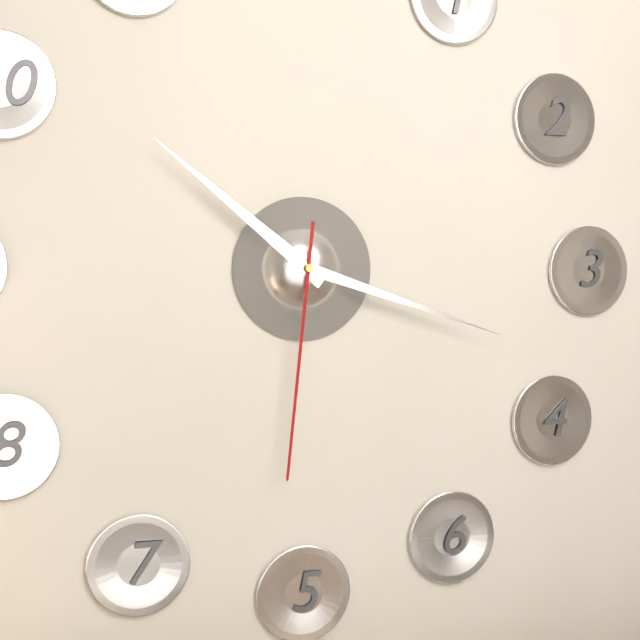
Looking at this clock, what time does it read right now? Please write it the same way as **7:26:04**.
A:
**10:18:31**
